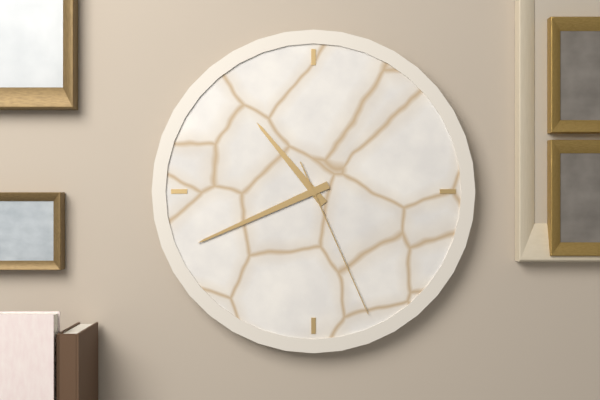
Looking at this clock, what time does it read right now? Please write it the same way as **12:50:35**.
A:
**10:41:26**
